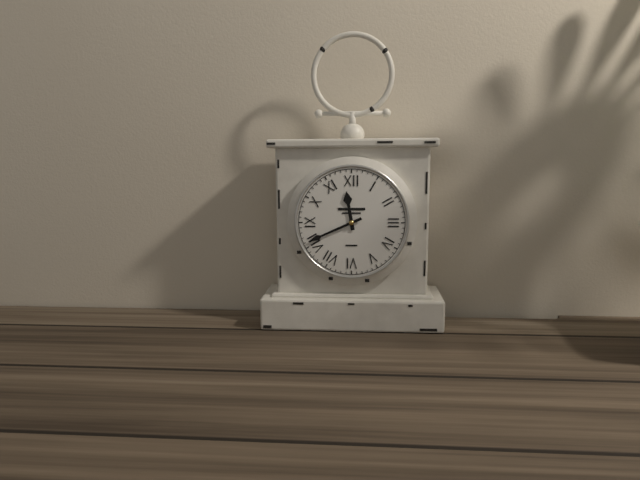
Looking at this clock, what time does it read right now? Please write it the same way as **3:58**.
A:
**11:41**
